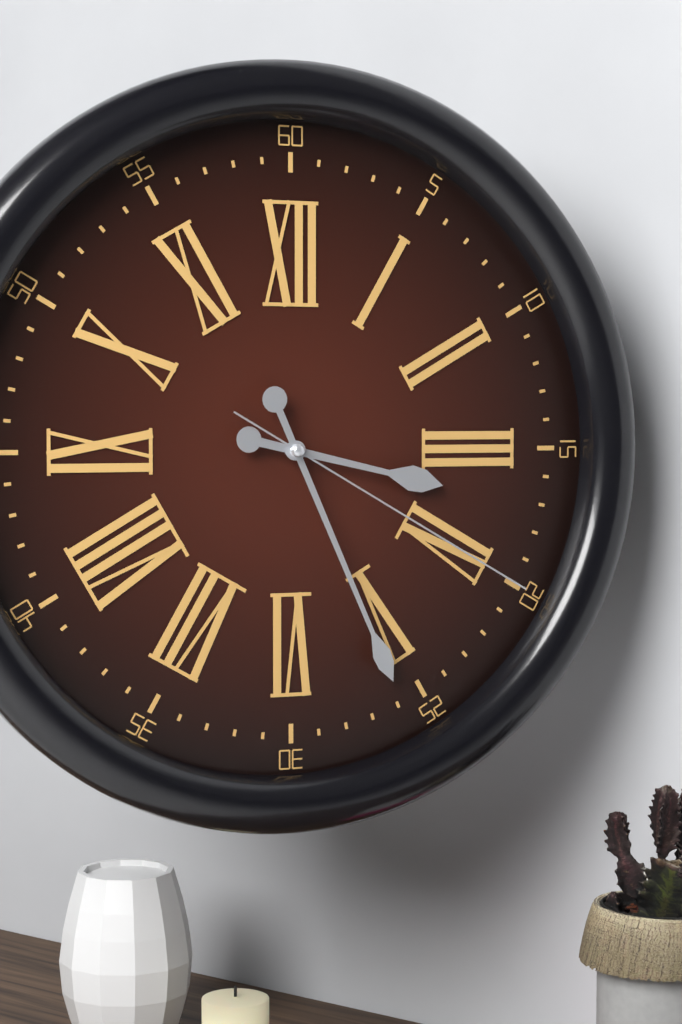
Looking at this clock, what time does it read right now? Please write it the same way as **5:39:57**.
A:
**3:26:20**
